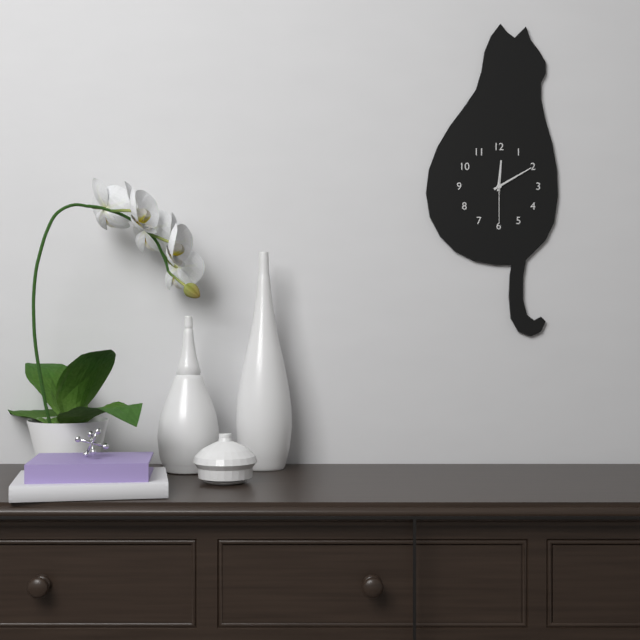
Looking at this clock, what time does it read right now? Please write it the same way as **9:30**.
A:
**12:10**
